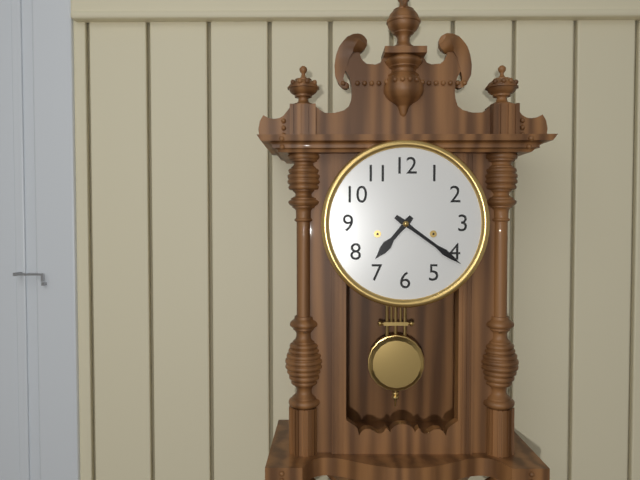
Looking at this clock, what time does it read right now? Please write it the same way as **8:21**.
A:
**7:21**
